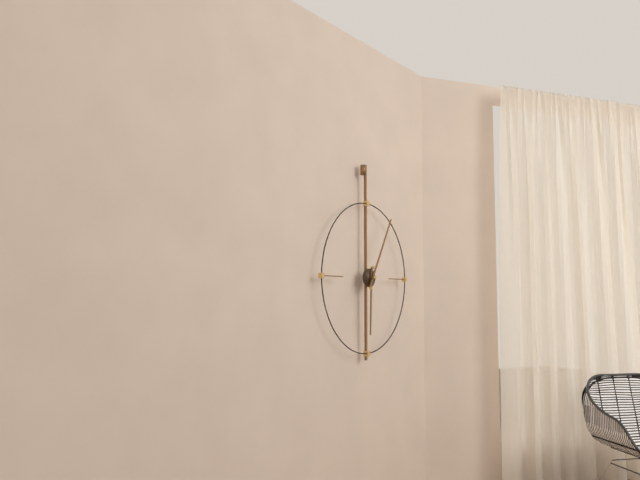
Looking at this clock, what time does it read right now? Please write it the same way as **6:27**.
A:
**6:05**
